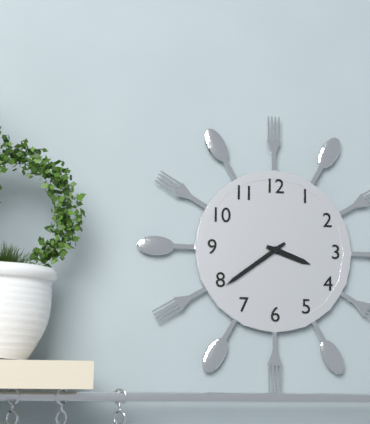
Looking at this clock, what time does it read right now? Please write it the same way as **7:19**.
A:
**3:39**
